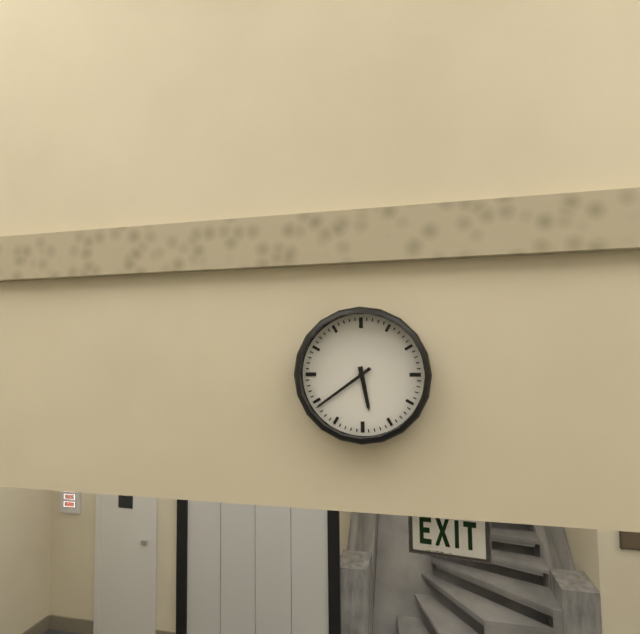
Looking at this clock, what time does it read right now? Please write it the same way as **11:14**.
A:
**5:39**
